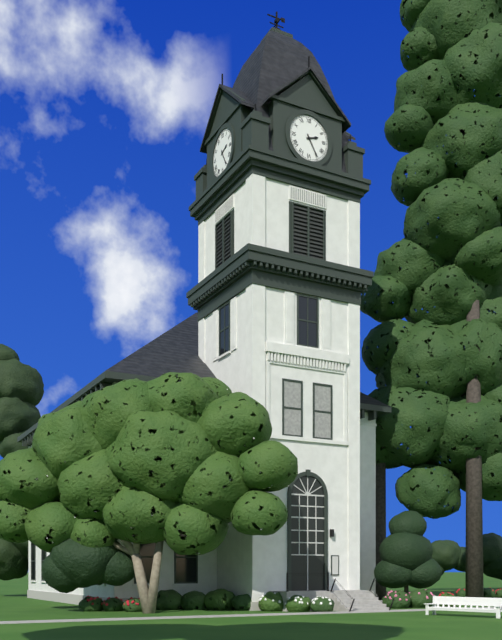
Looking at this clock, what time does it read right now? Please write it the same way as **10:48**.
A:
**2:25**
